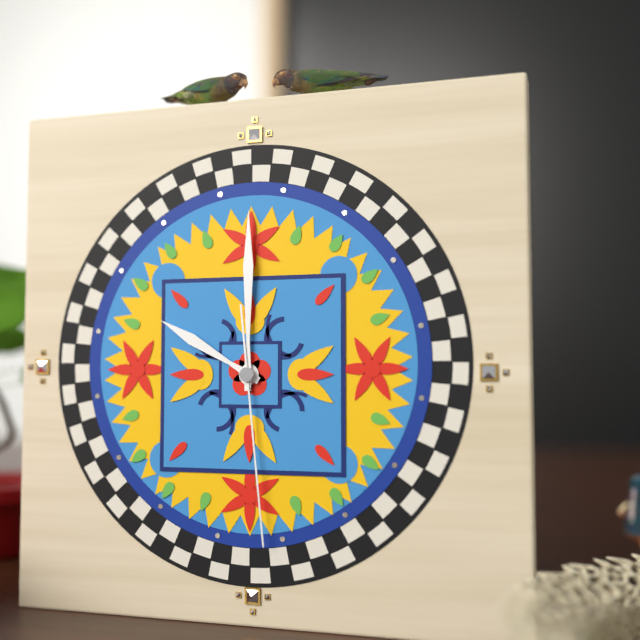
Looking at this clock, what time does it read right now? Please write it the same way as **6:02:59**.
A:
**10:00:29**
